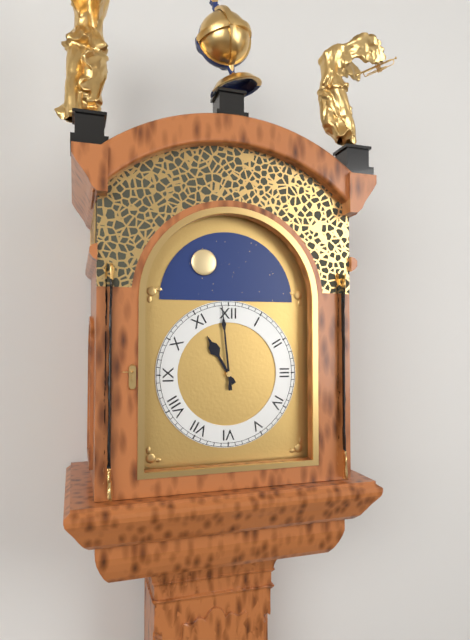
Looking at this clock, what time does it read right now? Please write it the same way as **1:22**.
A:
**10:59**
